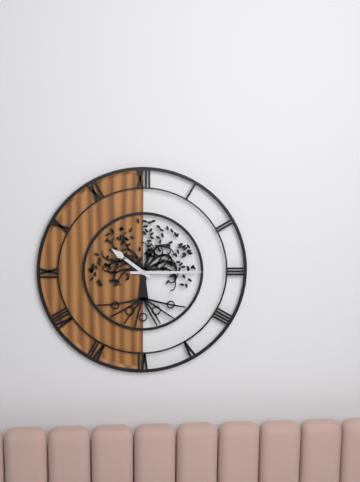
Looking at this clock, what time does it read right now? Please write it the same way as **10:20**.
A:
**10:15**
